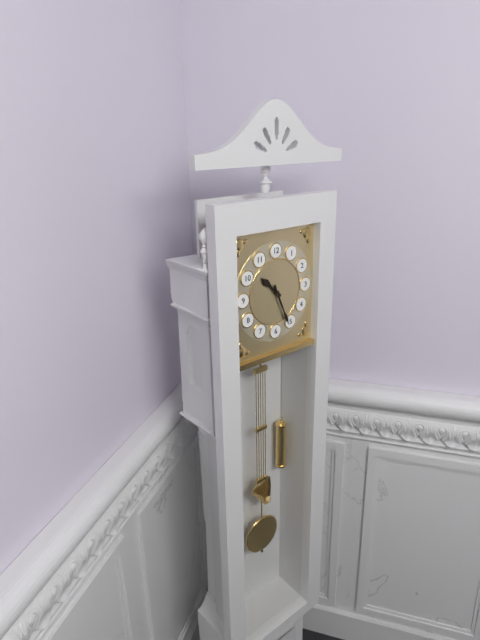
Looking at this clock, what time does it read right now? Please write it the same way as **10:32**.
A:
**10:26**
